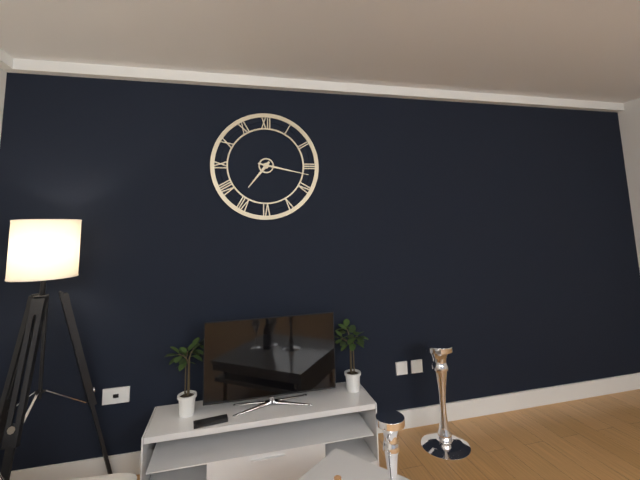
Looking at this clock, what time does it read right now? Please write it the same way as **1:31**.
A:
**7:17**
